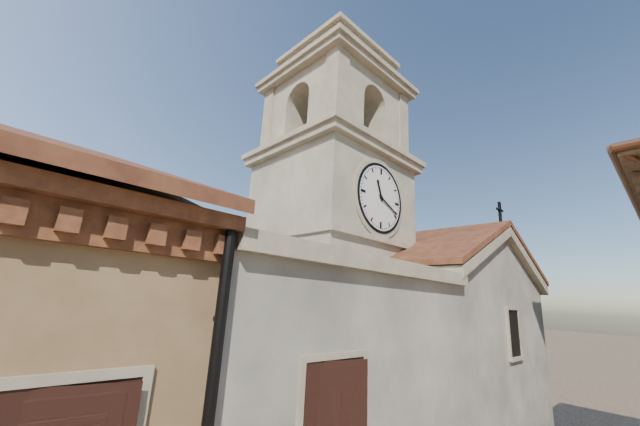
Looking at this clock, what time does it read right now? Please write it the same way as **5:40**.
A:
**11:19**
